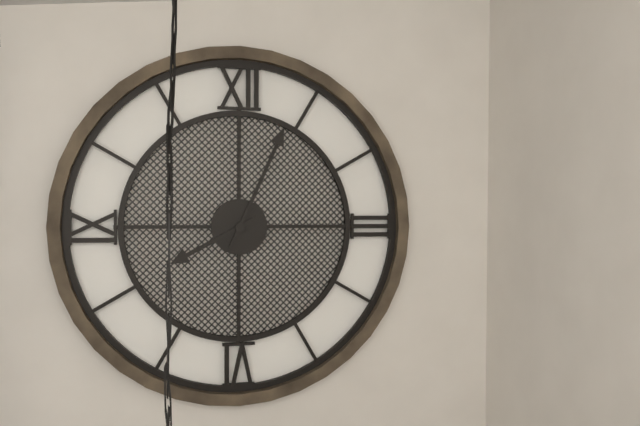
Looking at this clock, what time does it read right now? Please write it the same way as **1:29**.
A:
**8:04**
